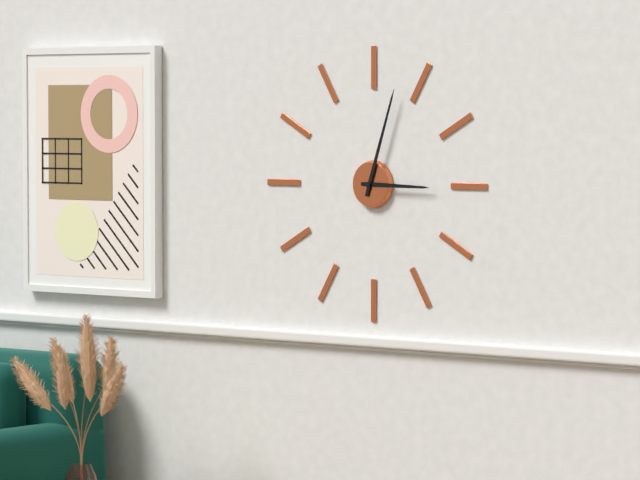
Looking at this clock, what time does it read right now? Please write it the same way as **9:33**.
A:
**3:03**
